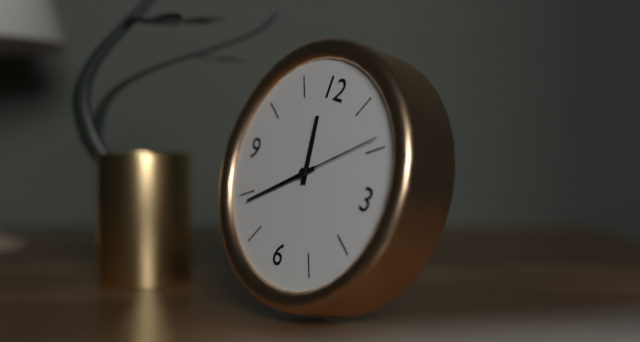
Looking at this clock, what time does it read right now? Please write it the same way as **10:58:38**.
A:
**11:39:09**
